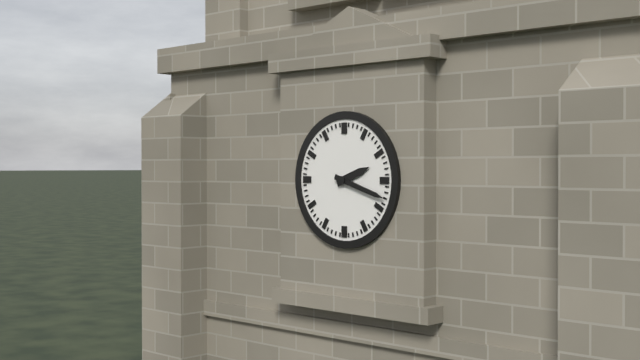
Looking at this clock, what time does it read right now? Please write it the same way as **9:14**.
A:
**2:18**
